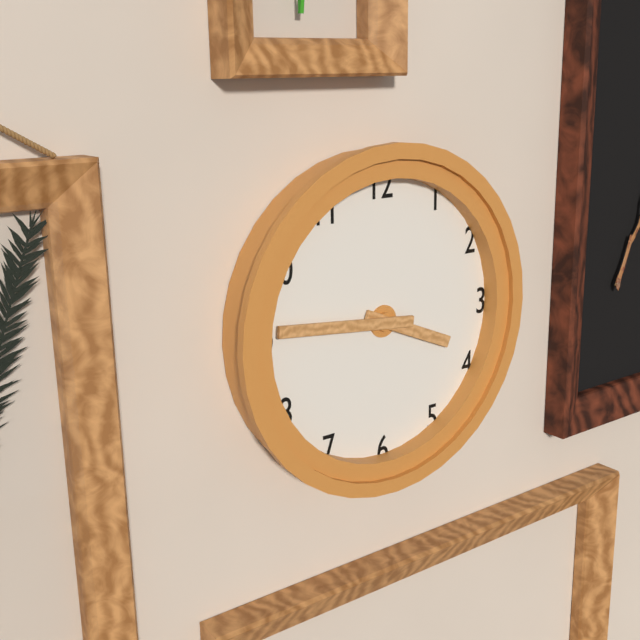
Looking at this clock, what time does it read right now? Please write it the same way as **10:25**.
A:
**3:46**
